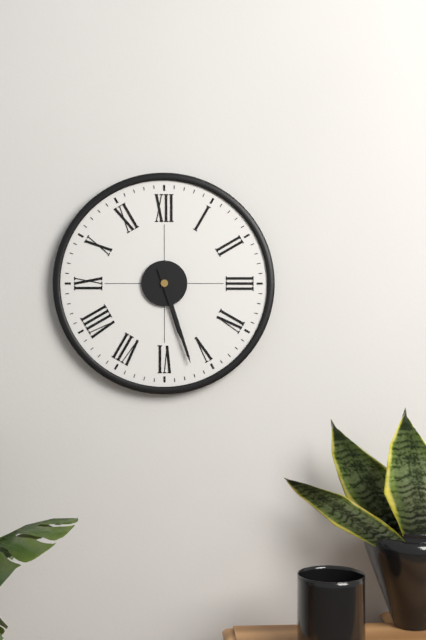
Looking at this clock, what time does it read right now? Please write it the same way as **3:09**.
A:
**5:27**
